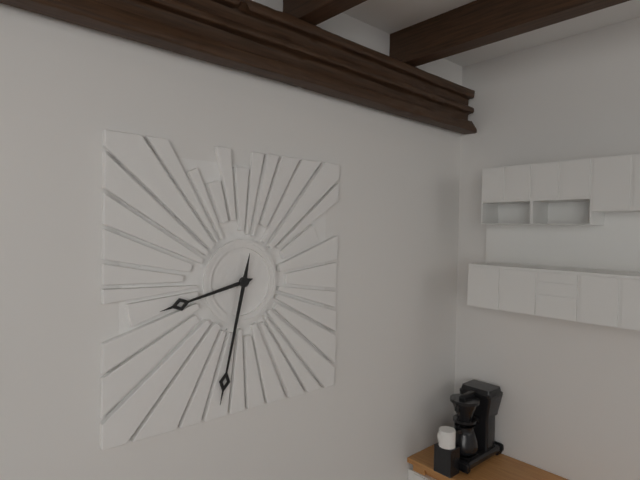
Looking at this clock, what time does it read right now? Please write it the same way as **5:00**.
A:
**8:32**
